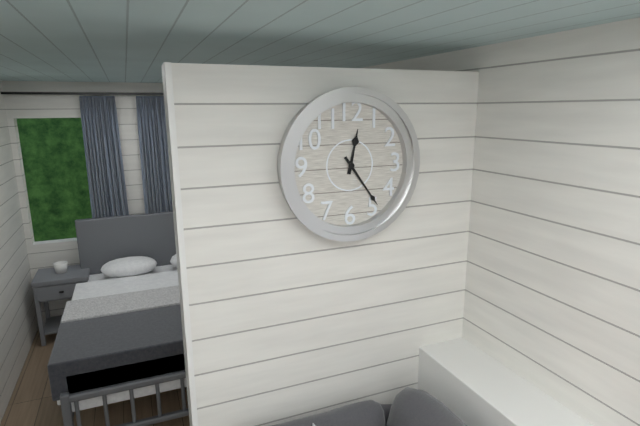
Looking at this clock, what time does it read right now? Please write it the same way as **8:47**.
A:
**12:24**
